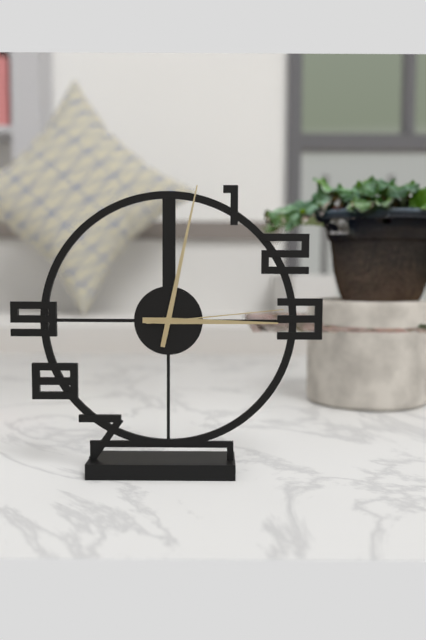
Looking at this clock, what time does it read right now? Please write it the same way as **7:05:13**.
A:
**3:02:14**
